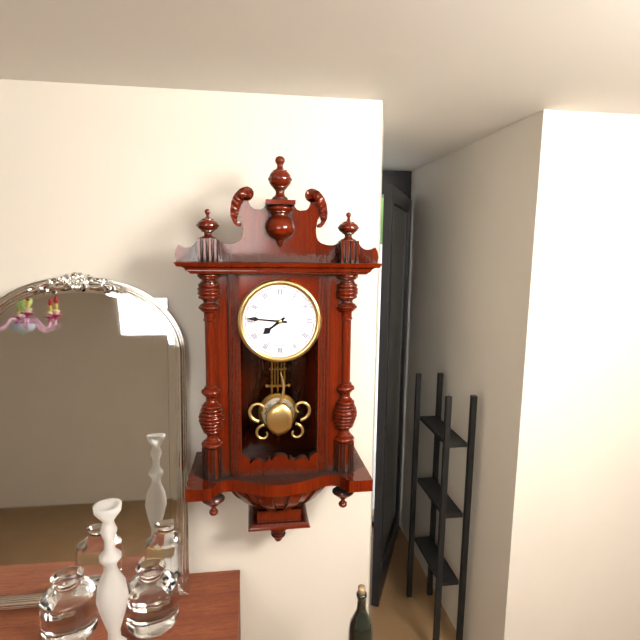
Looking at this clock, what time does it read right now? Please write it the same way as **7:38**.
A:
**7:46**
